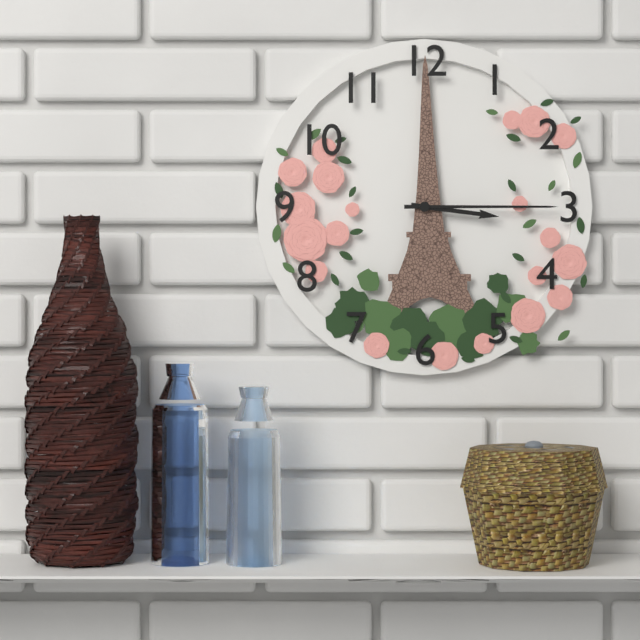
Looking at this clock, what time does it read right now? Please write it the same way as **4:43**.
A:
**3:15**
